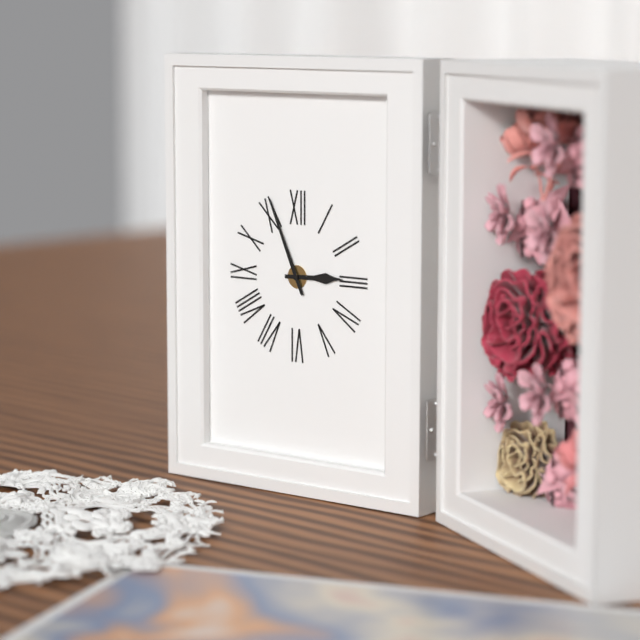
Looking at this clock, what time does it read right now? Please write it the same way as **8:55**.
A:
**2:56**
